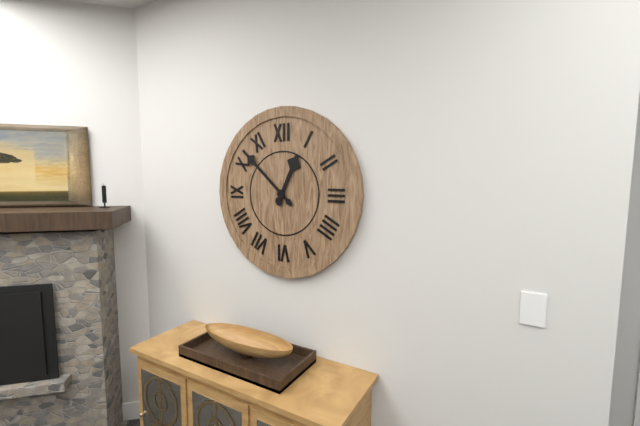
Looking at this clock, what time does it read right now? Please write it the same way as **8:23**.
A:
**12:52**
